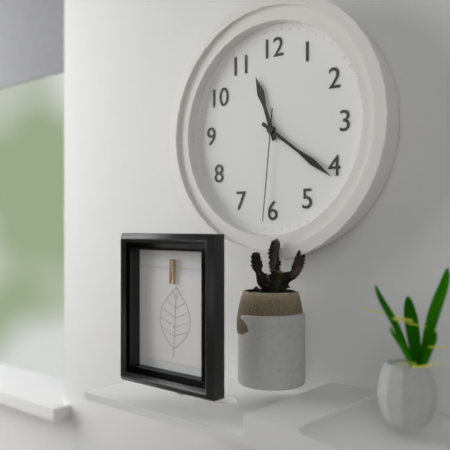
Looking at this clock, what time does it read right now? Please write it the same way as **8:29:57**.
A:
**11:21:31**
